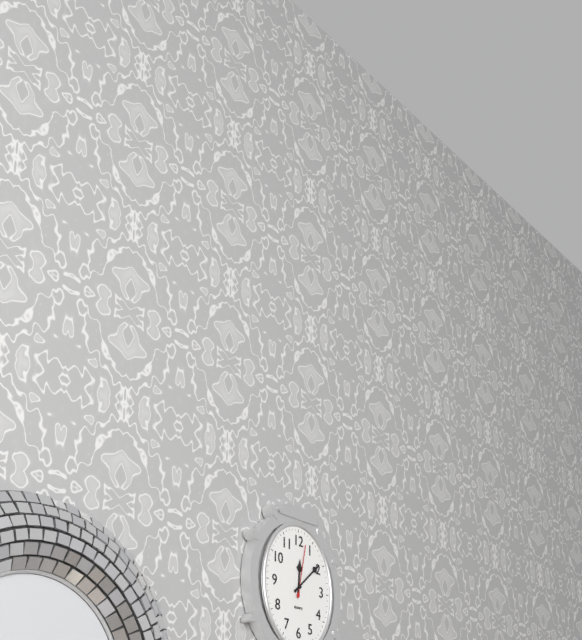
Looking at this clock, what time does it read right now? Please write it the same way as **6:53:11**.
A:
**12:08:02**
